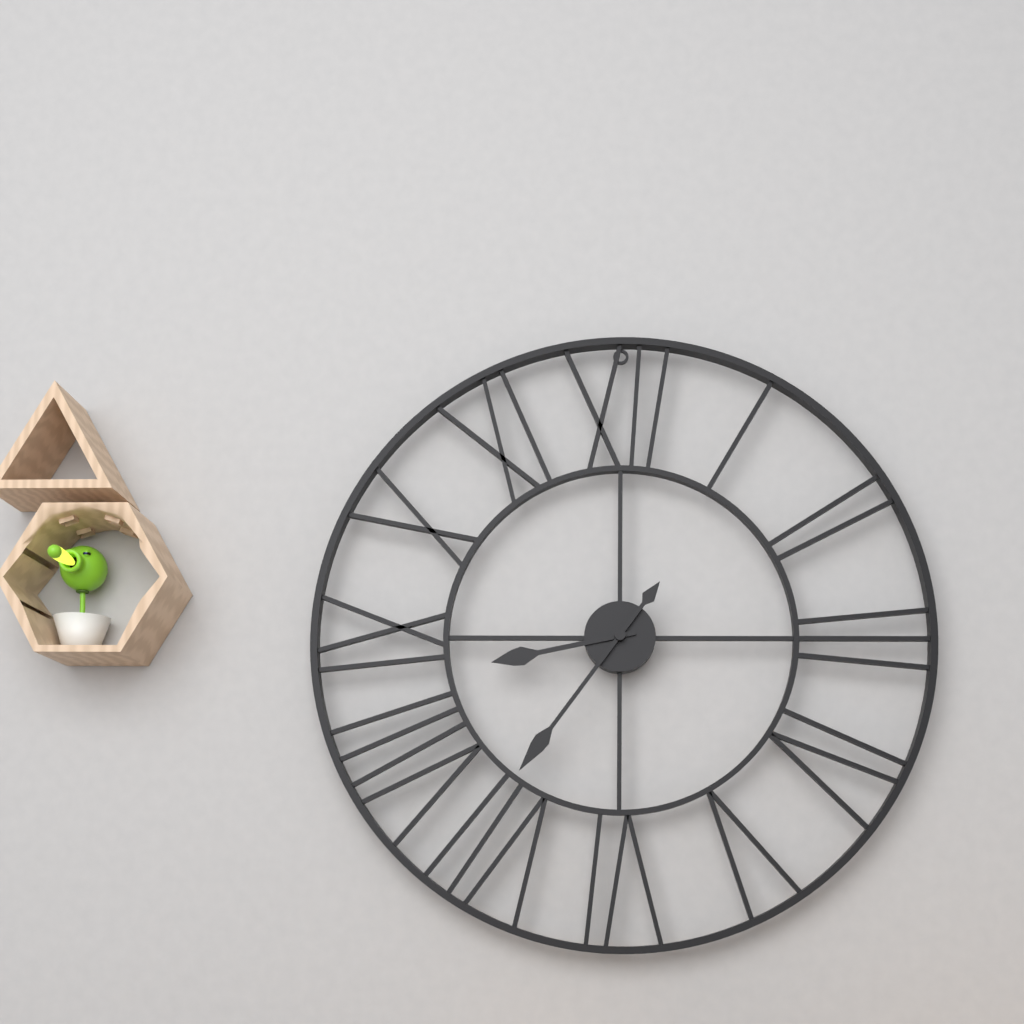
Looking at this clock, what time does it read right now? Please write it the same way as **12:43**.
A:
**8:36**
